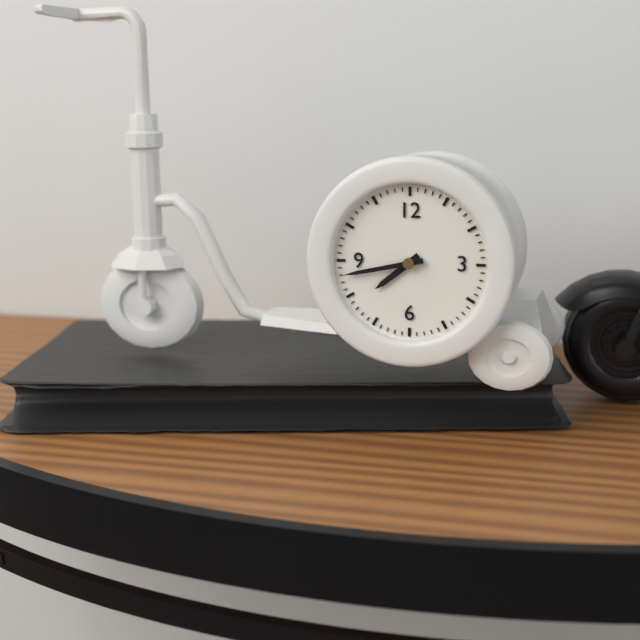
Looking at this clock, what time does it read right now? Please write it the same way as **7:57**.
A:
**7:43**
